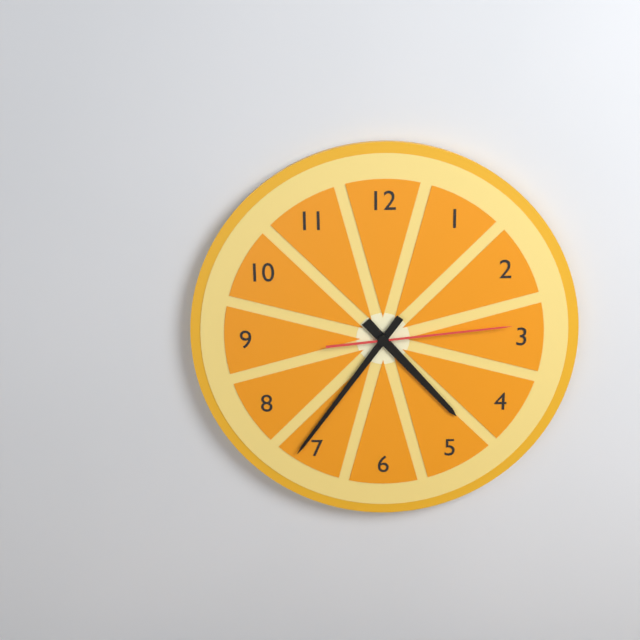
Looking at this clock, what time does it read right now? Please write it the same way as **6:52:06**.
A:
**4:36:14**
